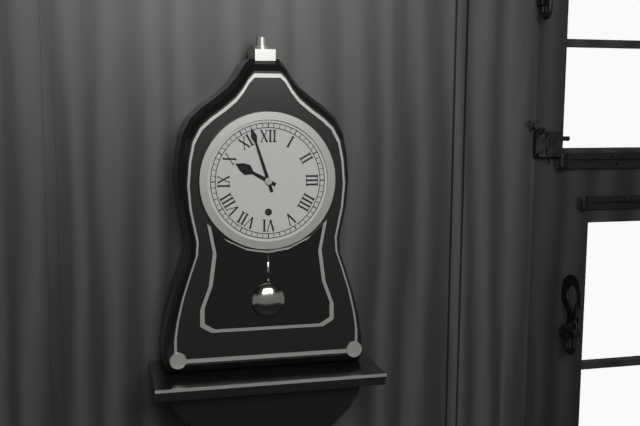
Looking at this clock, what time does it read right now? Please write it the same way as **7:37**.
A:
**9:57**
